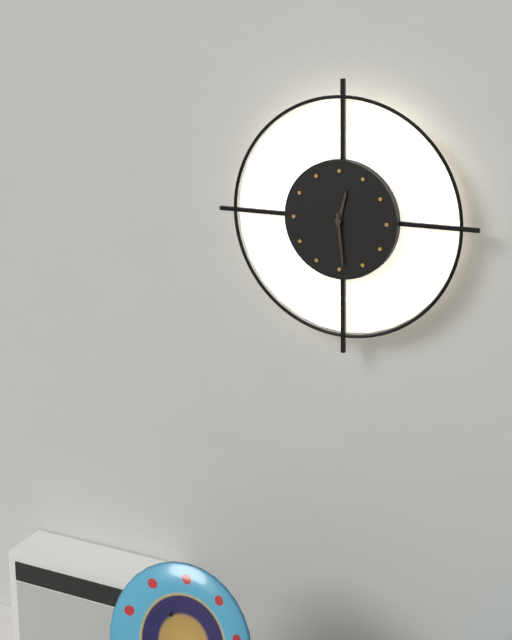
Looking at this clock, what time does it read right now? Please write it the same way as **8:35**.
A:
**12:29**
